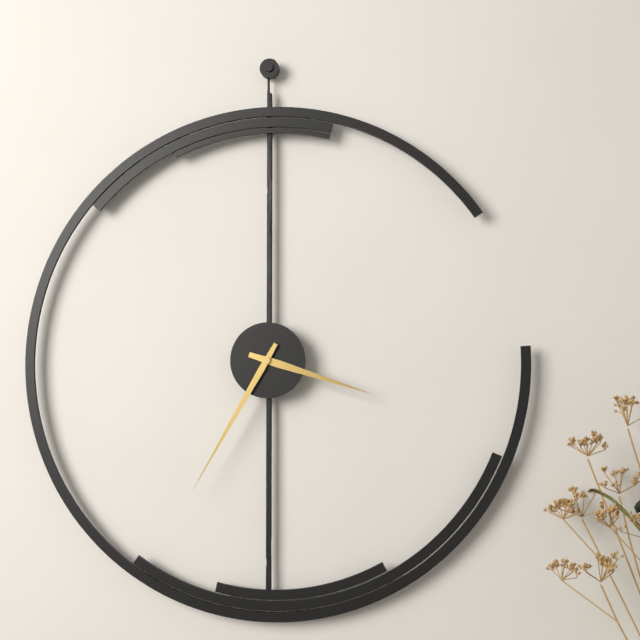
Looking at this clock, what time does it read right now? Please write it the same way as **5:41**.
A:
**3:35**
